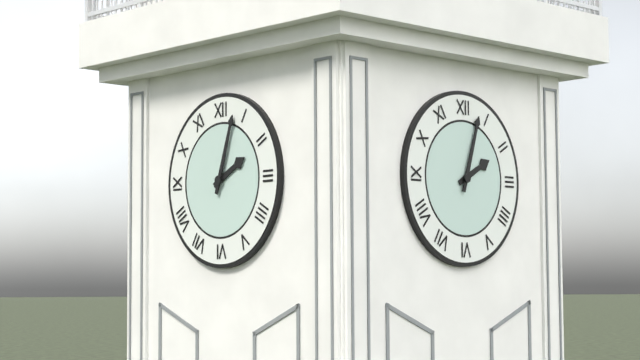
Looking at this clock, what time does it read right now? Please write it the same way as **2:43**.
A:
**2:03**
